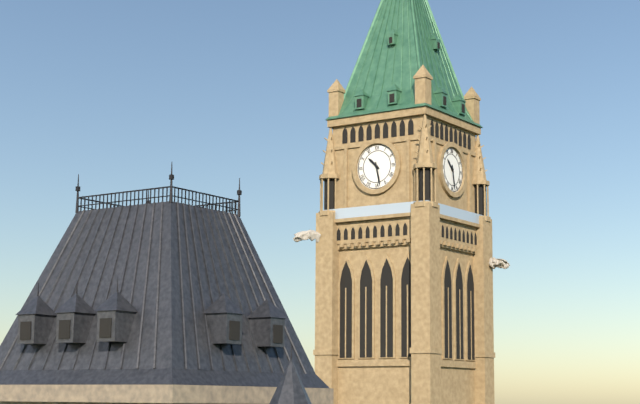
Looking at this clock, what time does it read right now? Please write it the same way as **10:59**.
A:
**10:28**
